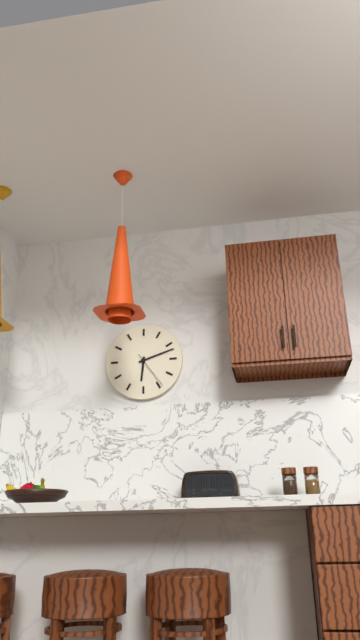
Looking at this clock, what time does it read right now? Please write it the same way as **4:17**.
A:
**6:12**
